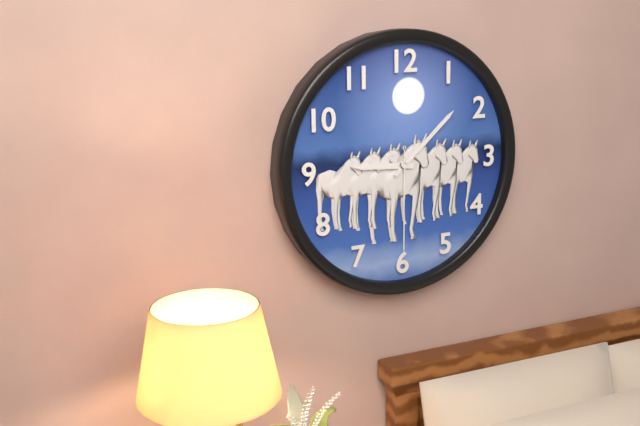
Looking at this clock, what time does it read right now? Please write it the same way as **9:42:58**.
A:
**9:08:30**
